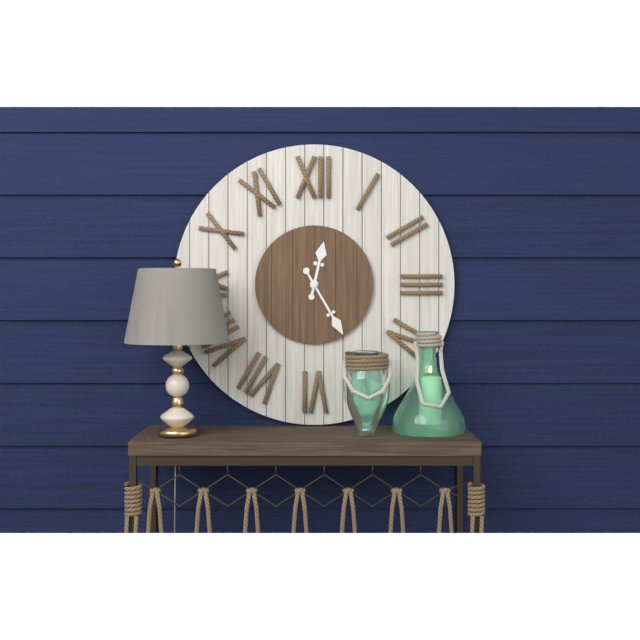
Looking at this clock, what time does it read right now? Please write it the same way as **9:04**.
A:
**12:25**
